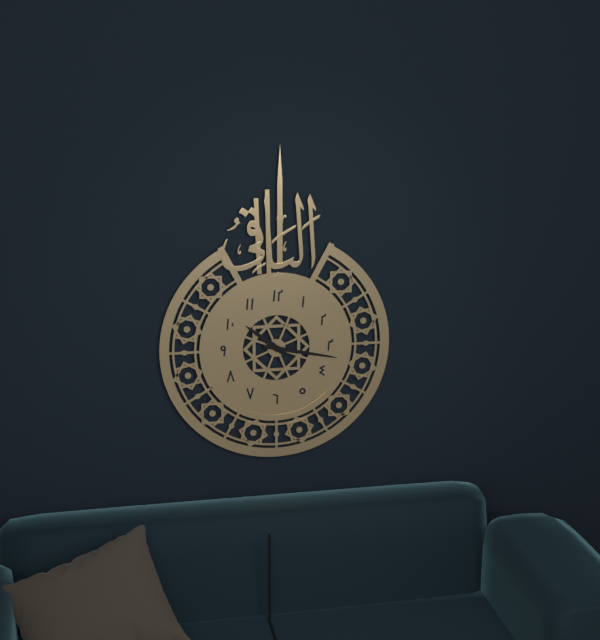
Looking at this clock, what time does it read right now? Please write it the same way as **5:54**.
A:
**10:17**
